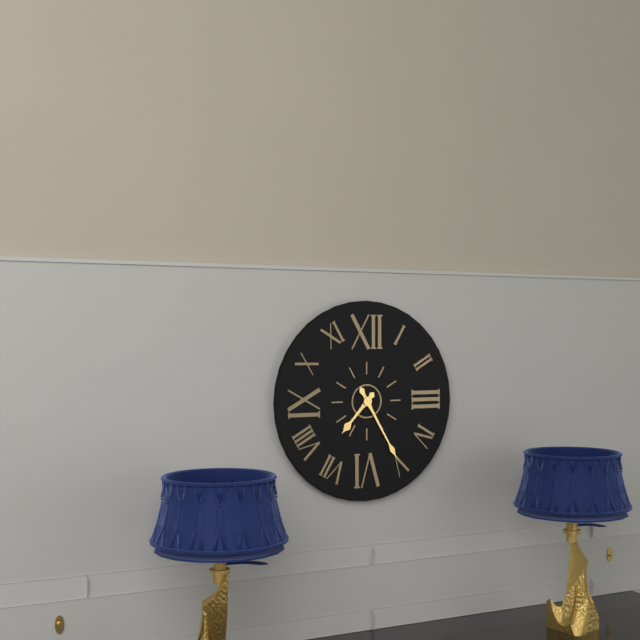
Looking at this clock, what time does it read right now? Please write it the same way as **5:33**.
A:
**7:25**
